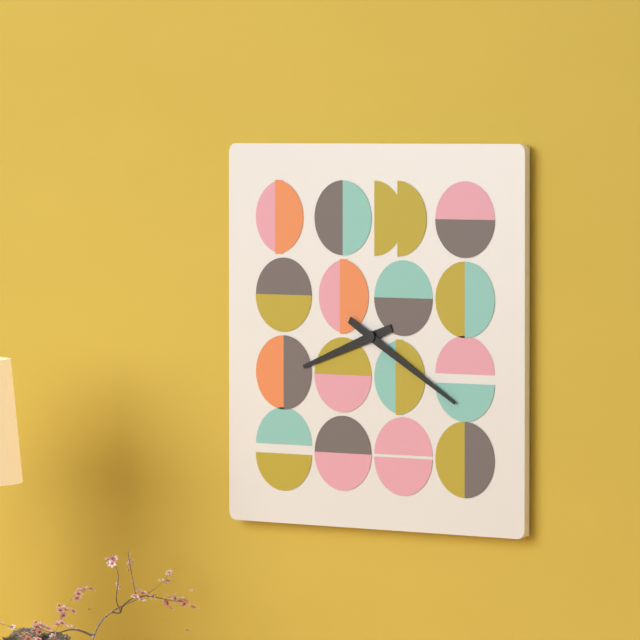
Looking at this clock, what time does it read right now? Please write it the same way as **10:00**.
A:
**8:20**
